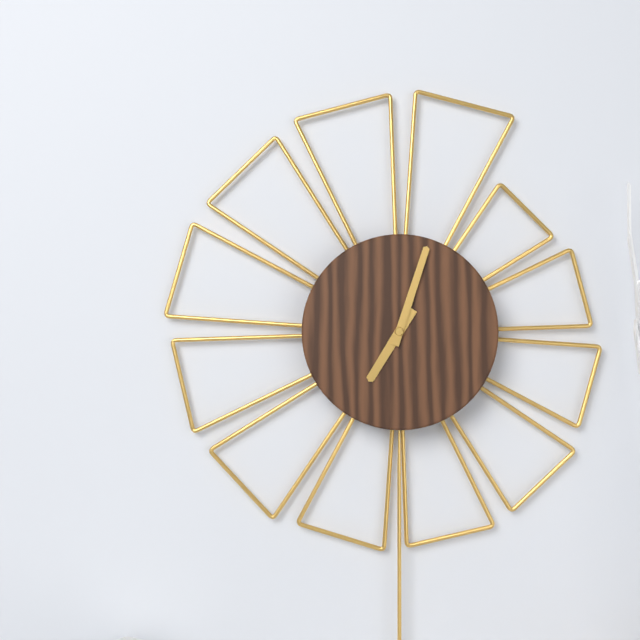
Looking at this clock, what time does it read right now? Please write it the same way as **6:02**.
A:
**7:03**
